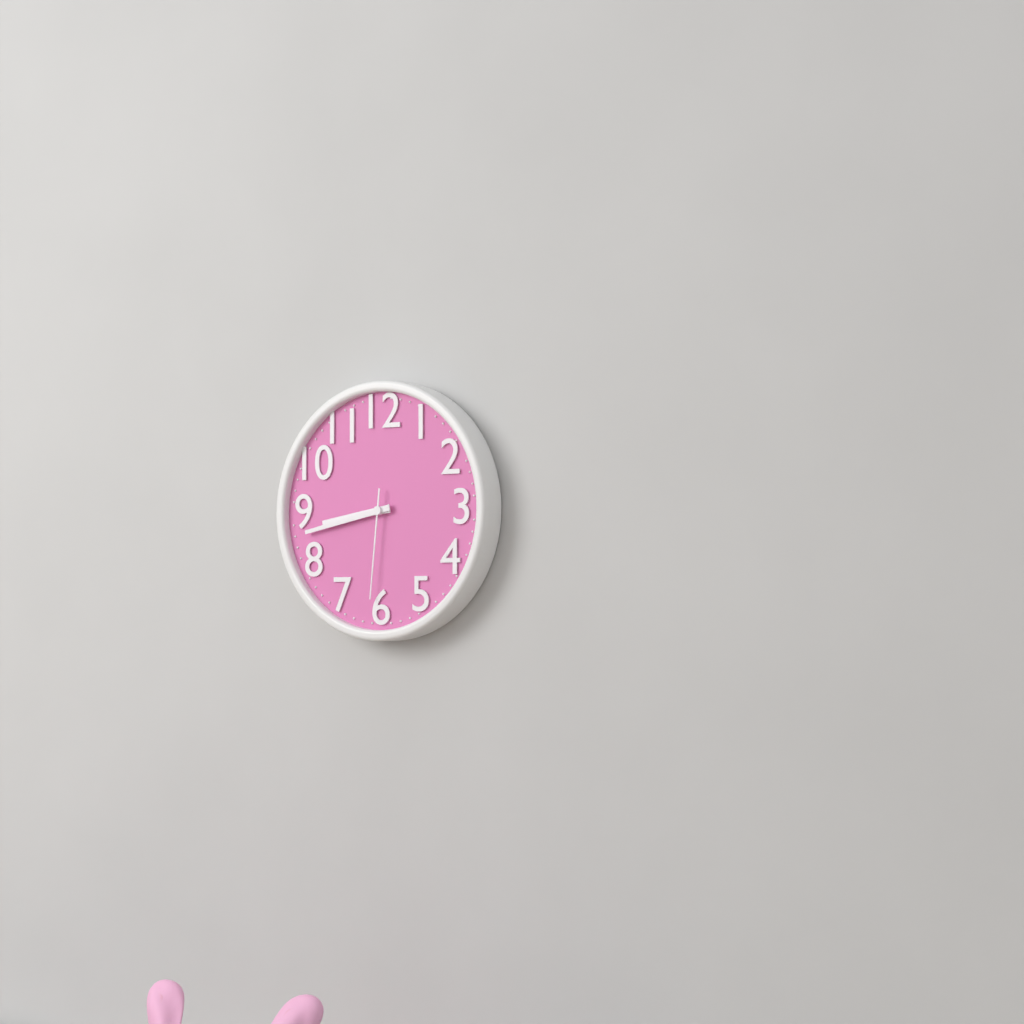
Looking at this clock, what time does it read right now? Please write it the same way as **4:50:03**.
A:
**8:43:31**
